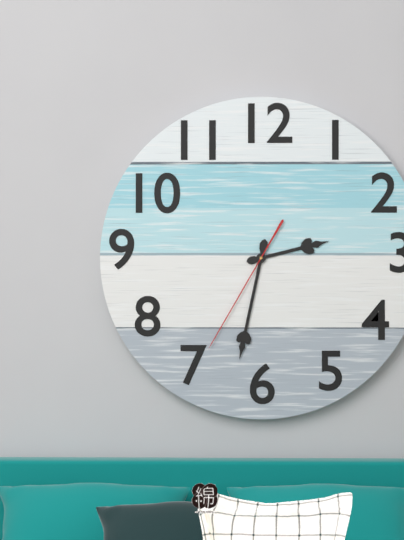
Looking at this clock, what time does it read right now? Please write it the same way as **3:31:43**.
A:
**2:32:35**
